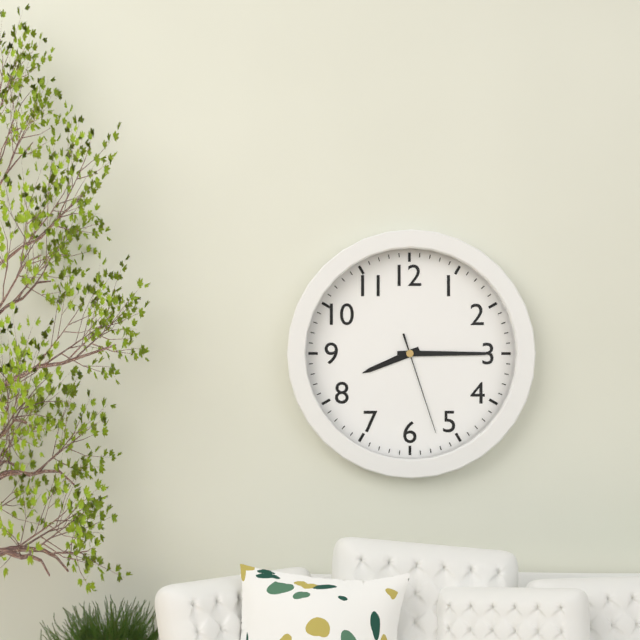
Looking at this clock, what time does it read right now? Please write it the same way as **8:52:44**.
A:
**8:15:27**
